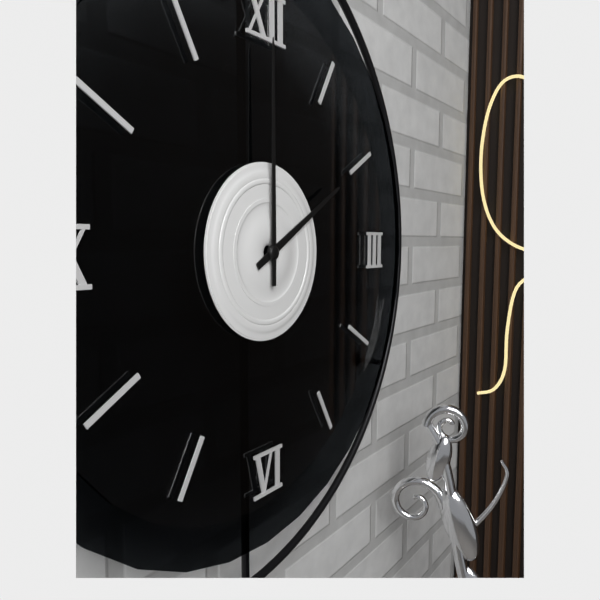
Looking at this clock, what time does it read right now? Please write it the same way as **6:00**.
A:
**2:00**
